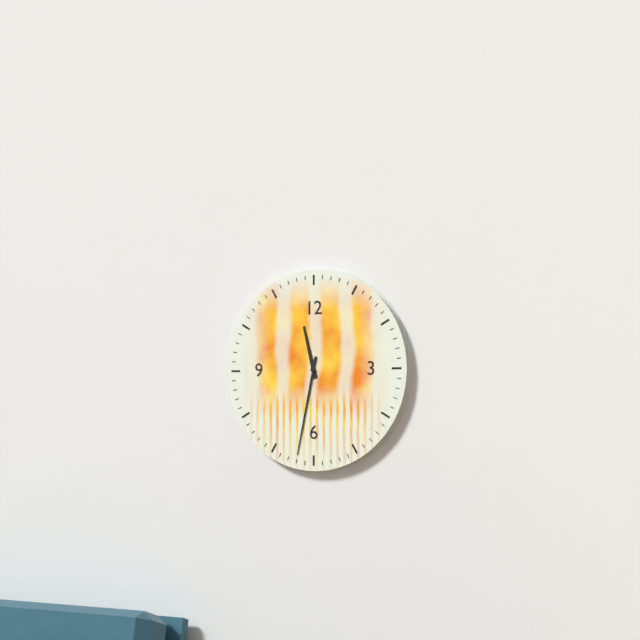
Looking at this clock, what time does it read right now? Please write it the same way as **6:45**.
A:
**11:32**
